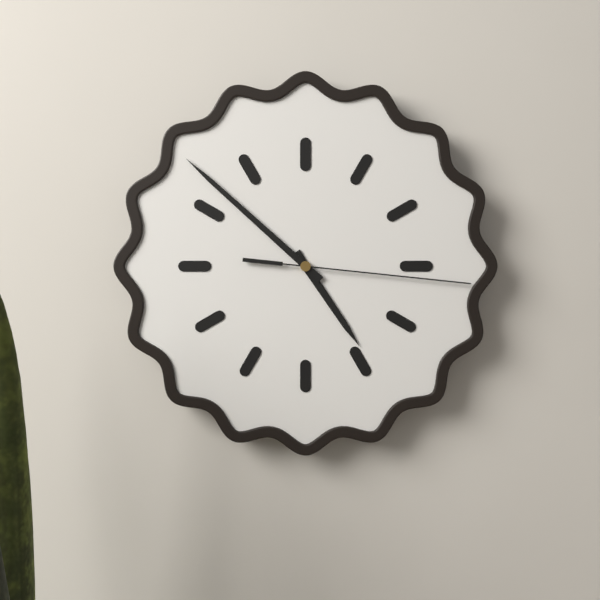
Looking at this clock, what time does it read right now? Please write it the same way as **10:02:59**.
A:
**4:52:16**
